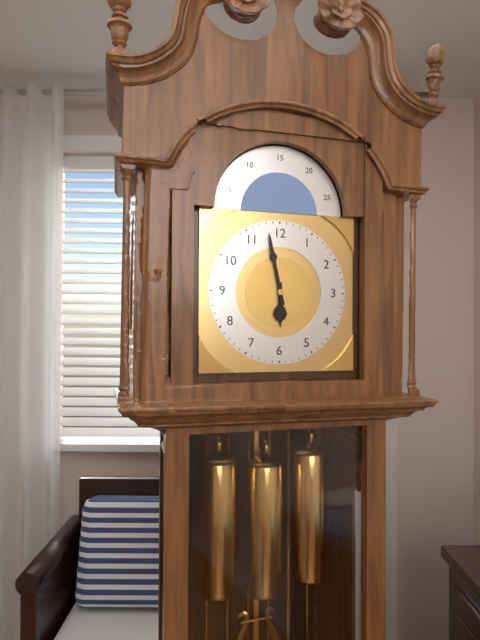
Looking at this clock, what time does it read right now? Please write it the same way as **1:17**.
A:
**5:58**
